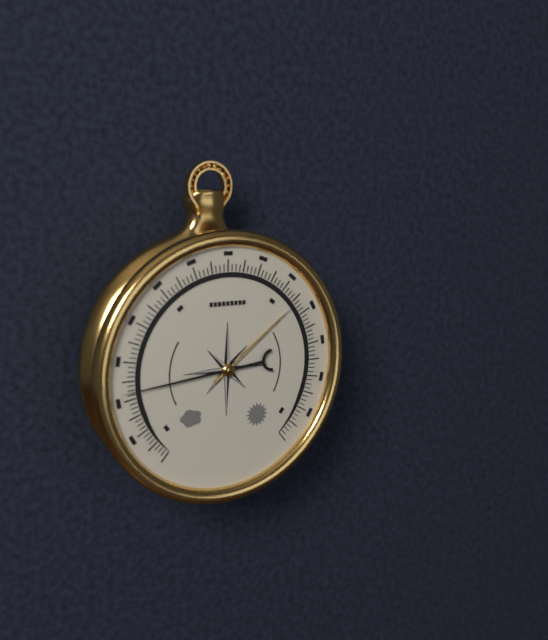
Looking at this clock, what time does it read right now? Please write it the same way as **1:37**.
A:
**1:44**
